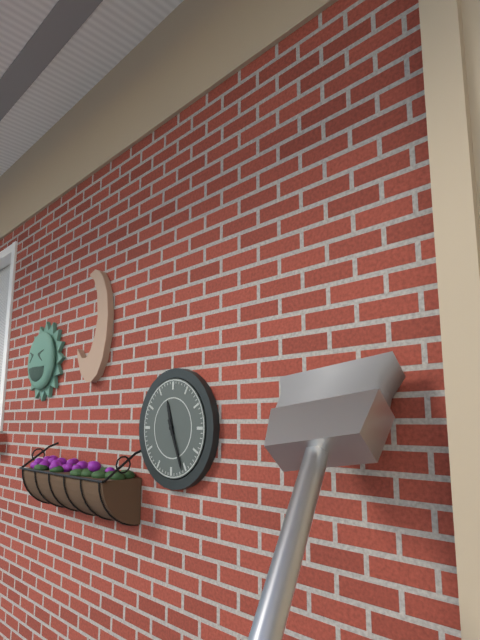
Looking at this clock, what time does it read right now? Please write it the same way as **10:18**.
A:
**11:26**
